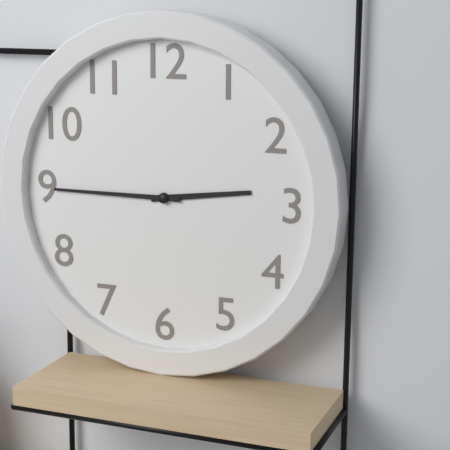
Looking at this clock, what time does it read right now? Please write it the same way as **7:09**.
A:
**2:45**
